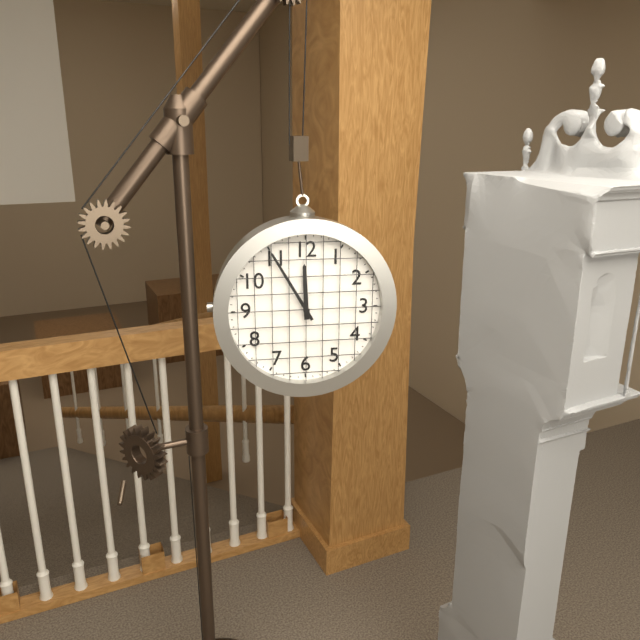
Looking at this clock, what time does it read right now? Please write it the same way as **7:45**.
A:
**11:55**
